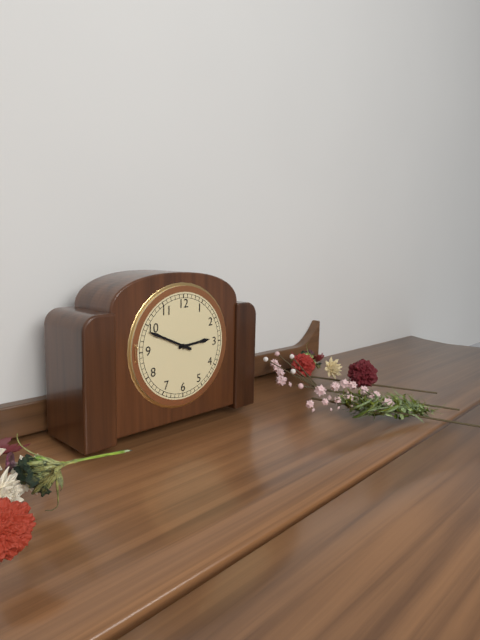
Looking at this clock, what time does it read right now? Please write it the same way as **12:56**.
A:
**2:49**
